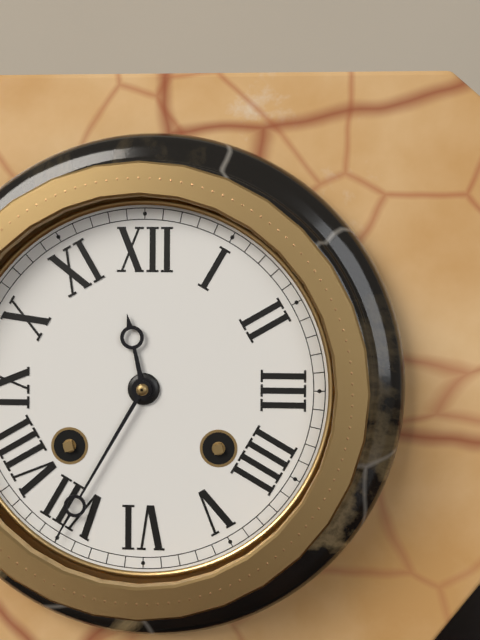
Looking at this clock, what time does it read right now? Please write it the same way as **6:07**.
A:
**11:35**
